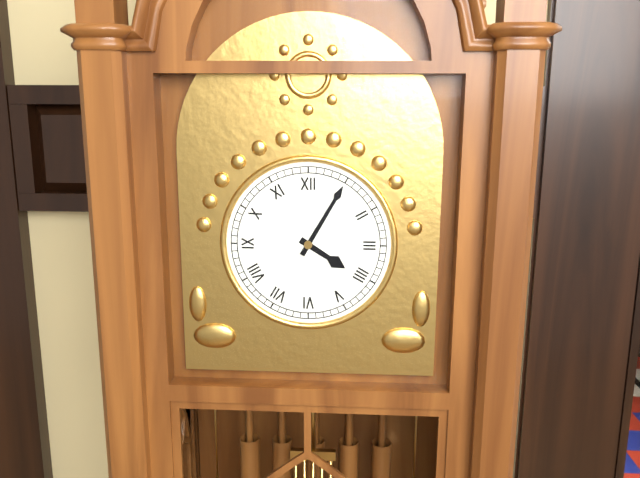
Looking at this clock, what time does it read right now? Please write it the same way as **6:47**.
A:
**4:05**
